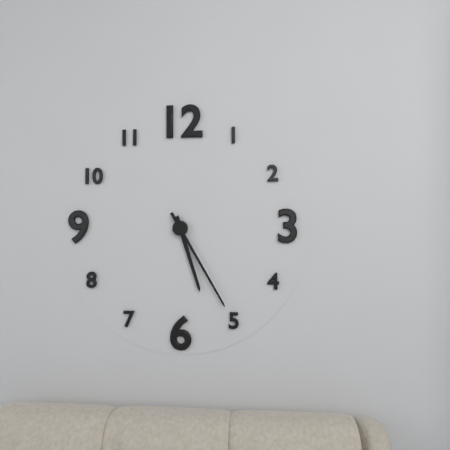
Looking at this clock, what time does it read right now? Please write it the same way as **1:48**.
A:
**5:25**
